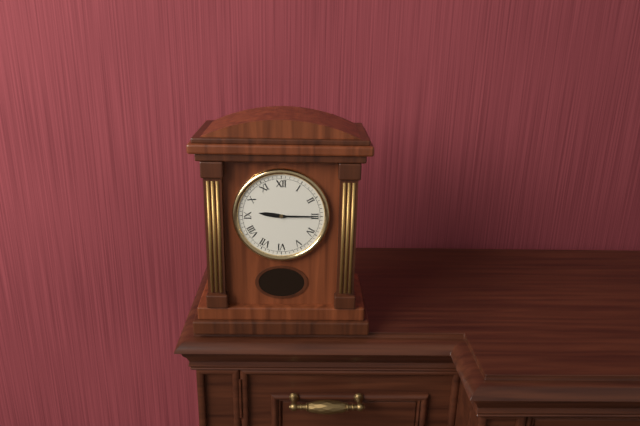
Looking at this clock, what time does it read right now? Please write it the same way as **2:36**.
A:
**9:15**
